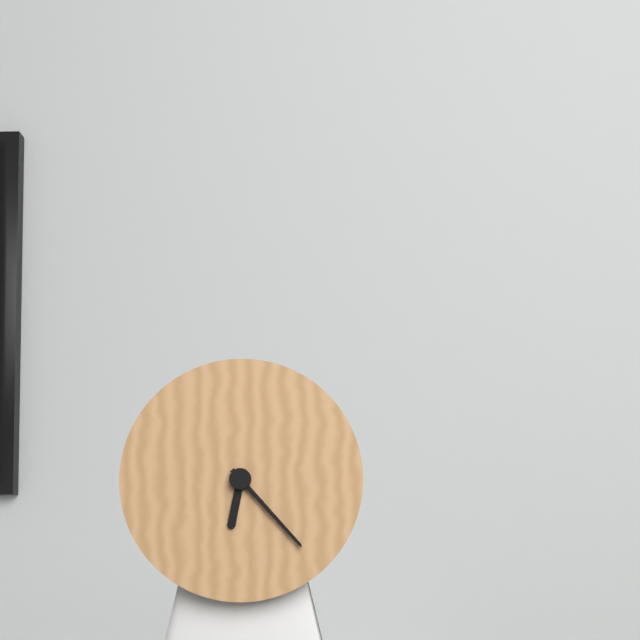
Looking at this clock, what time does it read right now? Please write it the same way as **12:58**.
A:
**6:23**
